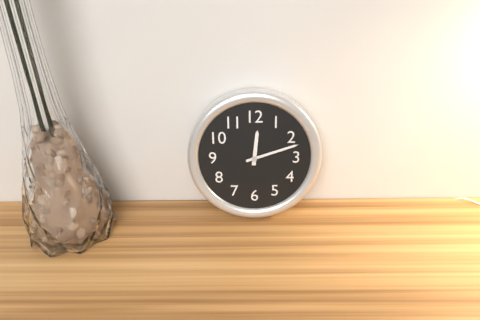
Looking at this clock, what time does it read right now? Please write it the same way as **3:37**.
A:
**12:12**
